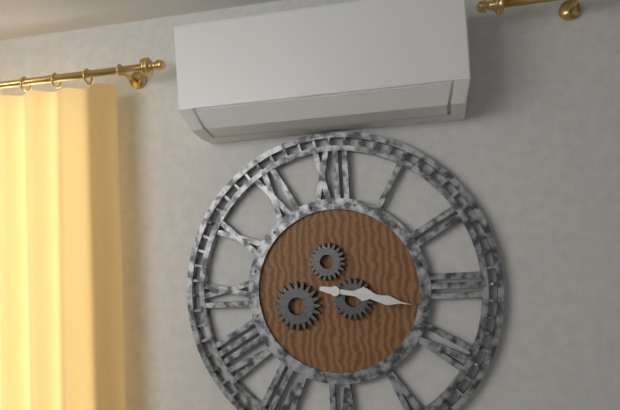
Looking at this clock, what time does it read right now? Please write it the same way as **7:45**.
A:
**3:17**
